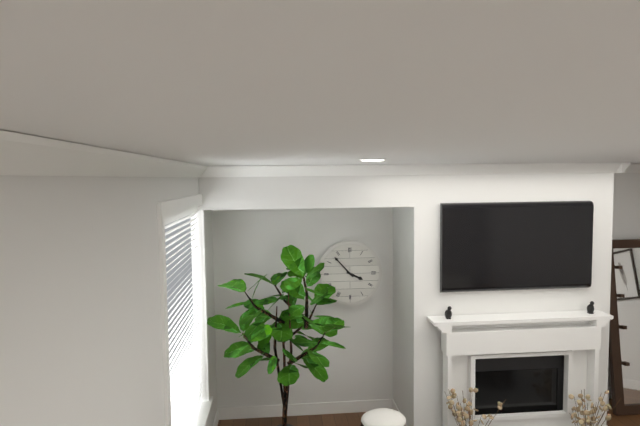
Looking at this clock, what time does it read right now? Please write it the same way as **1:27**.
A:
**3:53**
